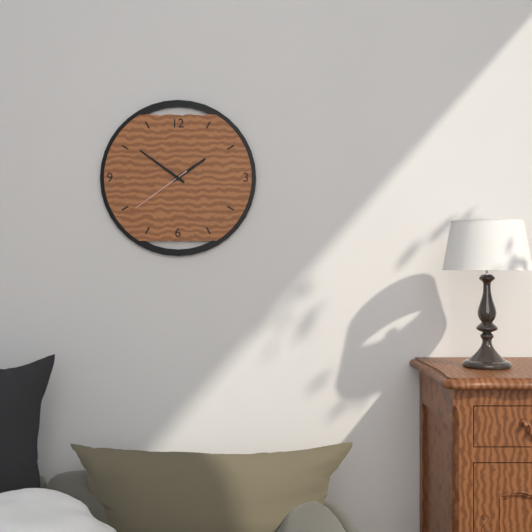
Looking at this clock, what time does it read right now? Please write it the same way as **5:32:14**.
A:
**1:51:39**
